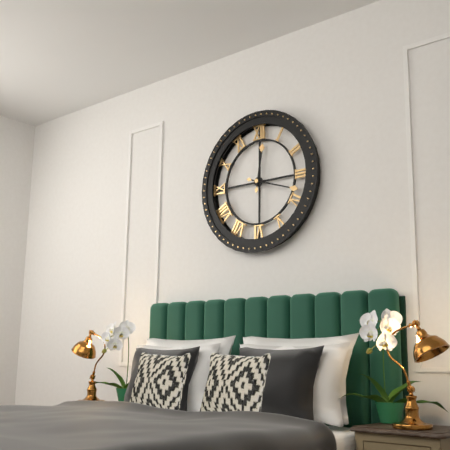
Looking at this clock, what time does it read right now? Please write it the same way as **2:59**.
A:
**12:18**
